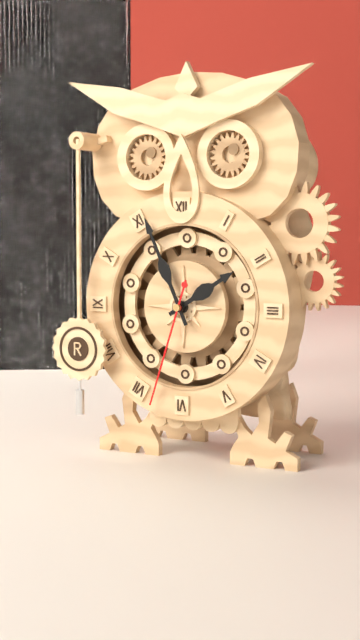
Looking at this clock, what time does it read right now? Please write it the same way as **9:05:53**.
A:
**1:56:33**
